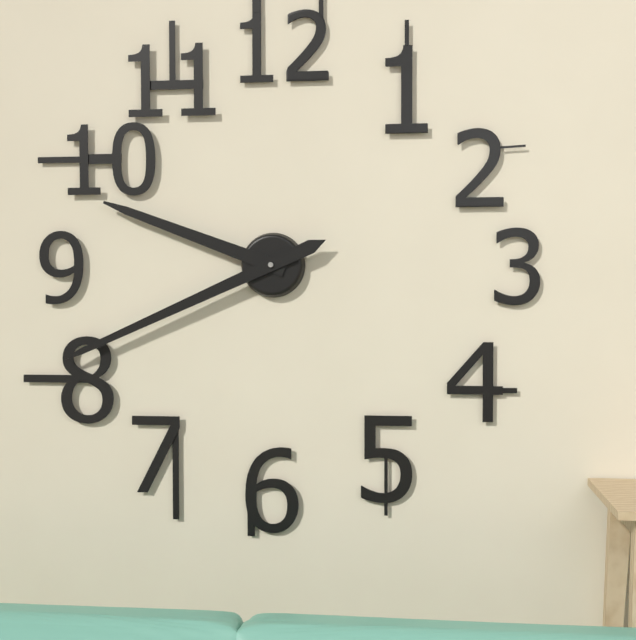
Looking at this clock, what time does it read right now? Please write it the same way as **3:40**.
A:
**9:41**
